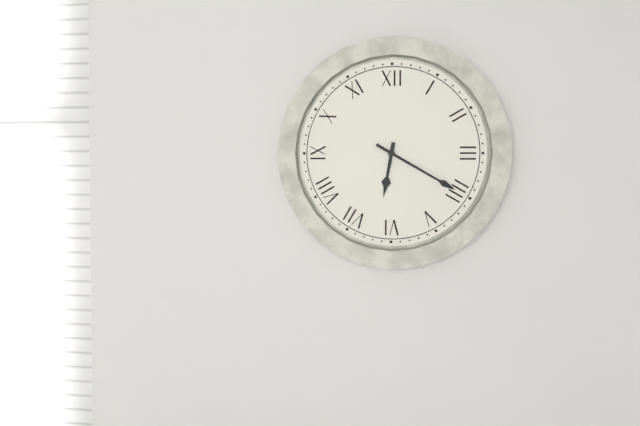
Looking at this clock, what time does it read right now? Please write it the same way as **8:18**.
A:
**6:20**
